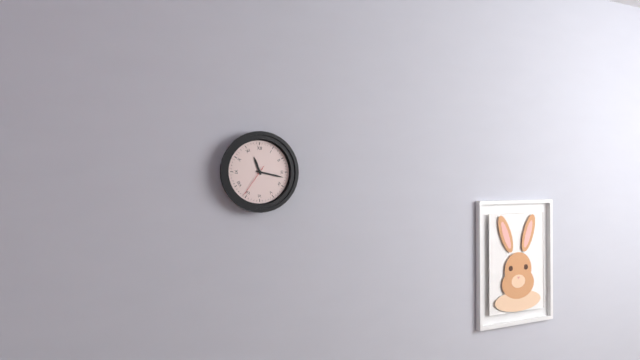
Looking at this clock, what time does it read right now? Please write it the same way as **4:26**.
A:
**11:17**
